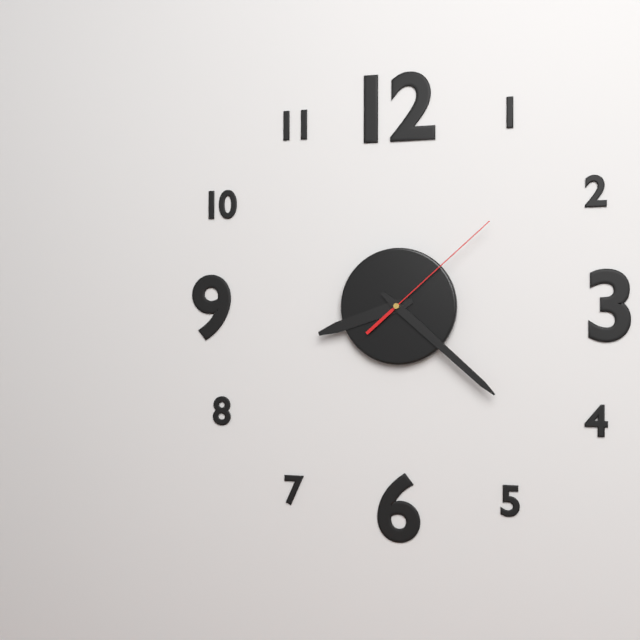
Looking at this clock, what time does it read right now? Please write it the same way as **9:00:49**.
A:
**8:22:08**
